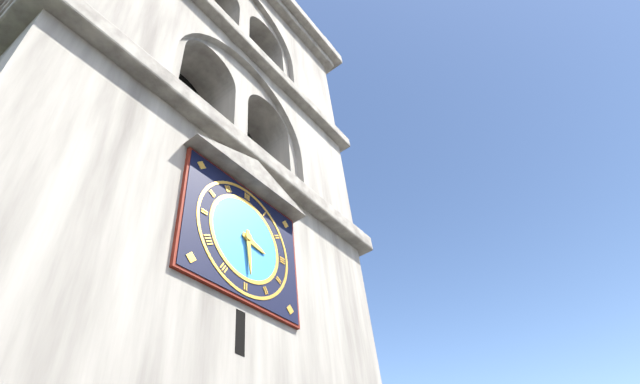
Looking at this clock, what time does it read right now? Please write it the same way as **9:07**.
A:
**3:29**
